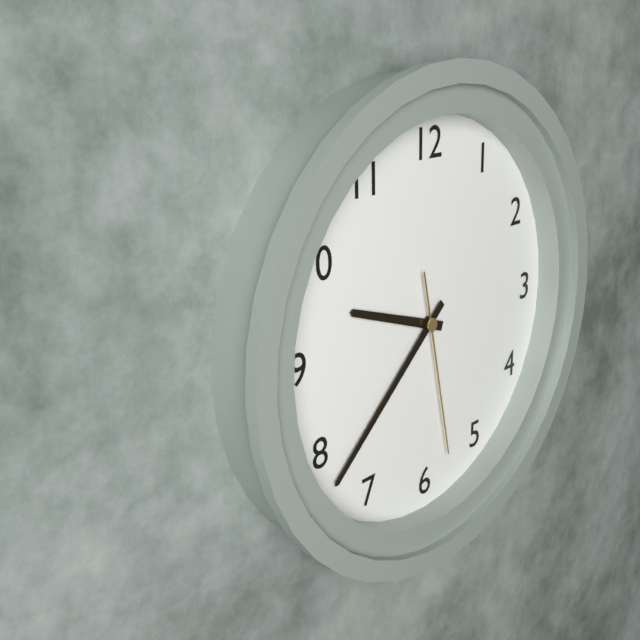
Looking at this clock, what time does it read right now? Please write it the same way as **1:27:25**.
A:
**9:38:28**
